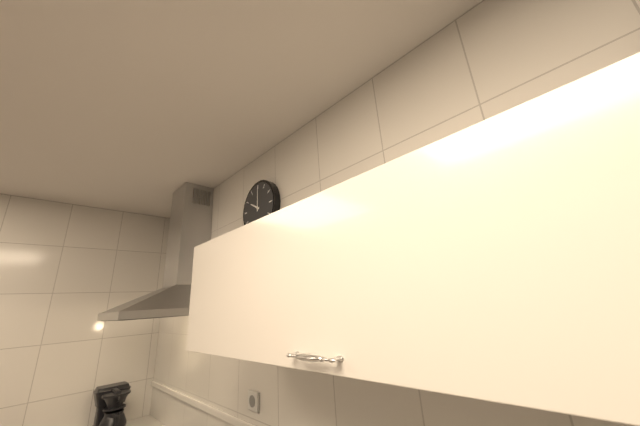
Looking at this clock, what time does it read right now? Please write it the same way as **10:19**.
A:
**10:00**
